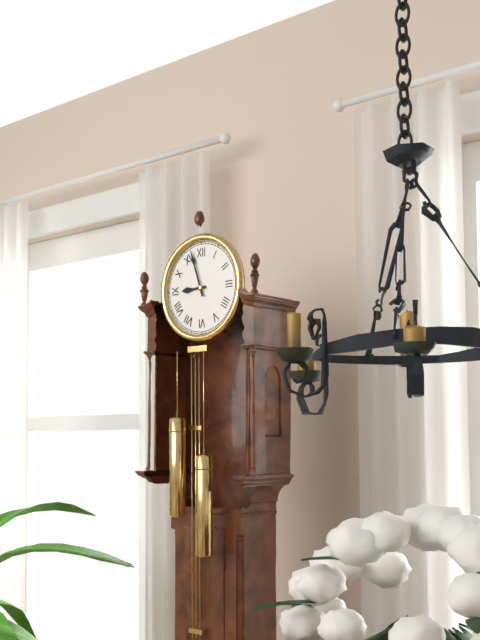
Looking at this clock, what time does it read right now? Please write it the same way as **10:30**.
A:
**8:57**
